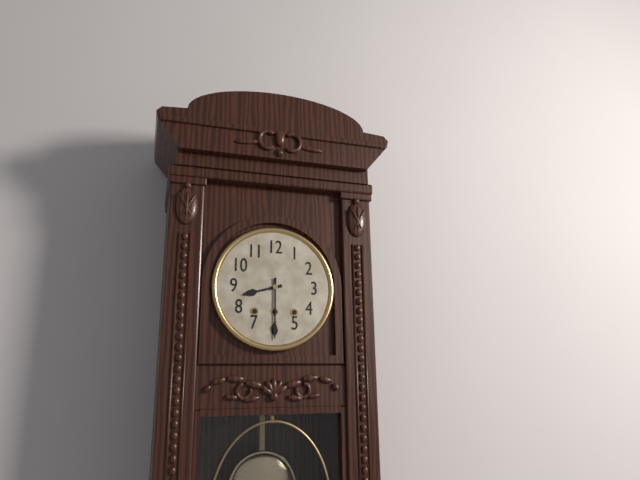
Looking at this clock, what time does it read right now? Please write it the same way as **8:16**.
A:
**8:30**
